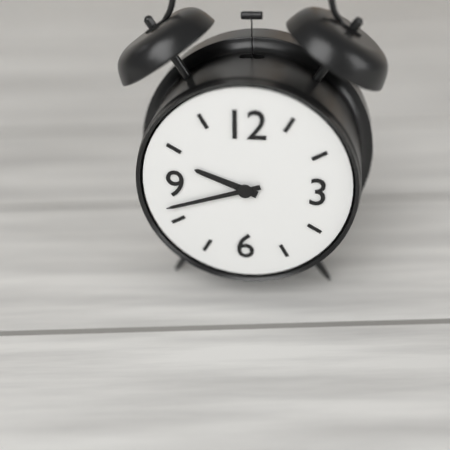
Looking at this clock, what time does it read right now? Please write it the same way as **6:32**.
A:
**9:42**
